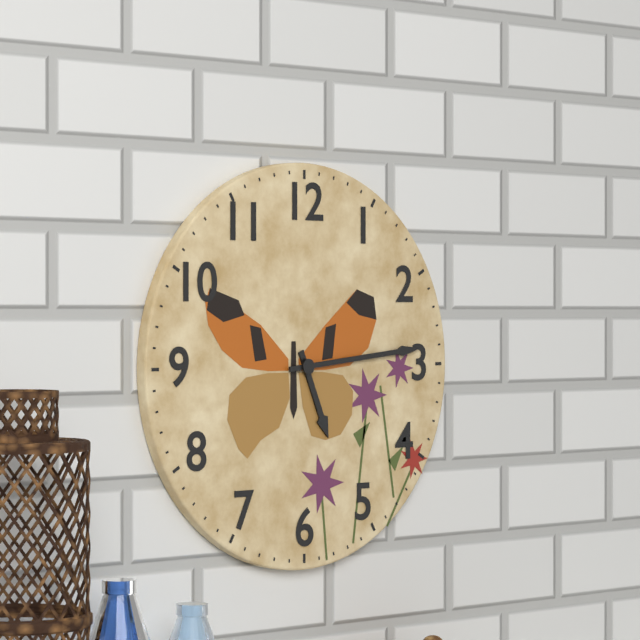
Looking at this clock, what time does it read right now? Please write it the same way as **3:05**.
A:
**5:14**
